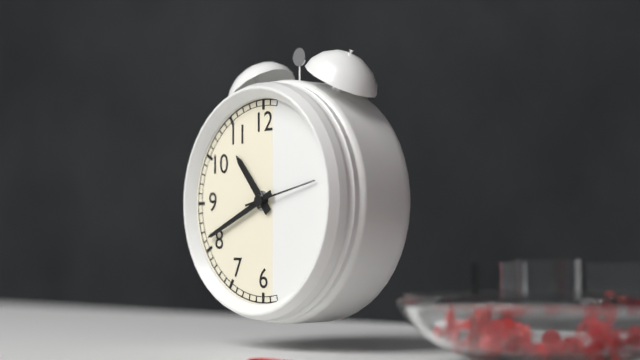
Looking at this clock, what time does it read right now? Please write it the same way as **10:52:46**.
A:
**10:41:13**
